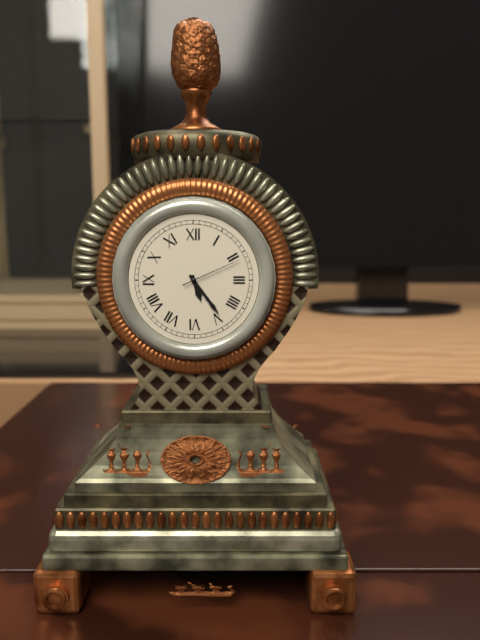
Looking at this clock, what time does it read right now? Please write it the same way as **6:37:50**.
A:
**5:24:11**
